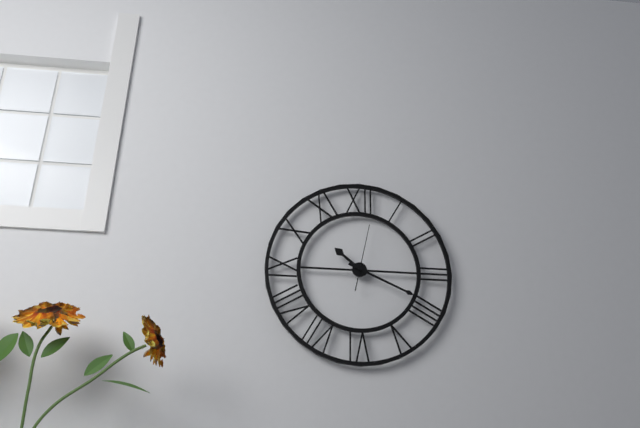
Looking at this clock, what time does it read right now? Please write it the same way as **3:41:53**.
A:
**10:19:02**
